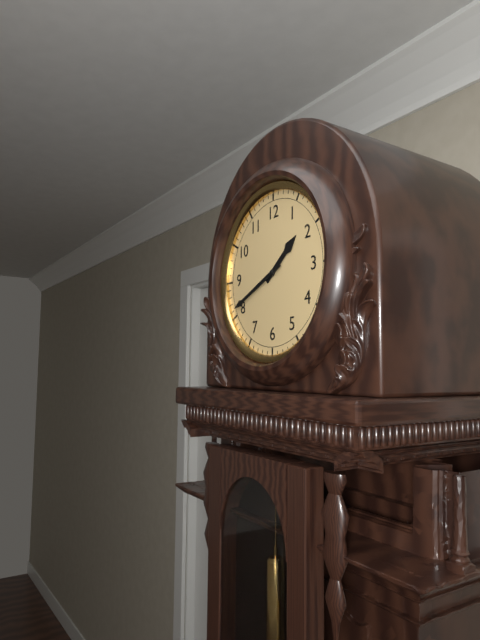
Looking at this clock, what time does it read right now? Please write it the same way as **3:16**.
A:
**1:41**
